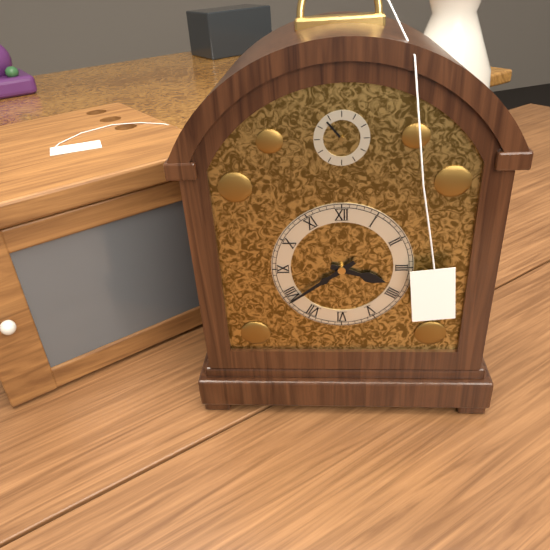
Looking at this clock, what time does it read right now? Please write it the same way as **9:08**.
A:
**3:39**
